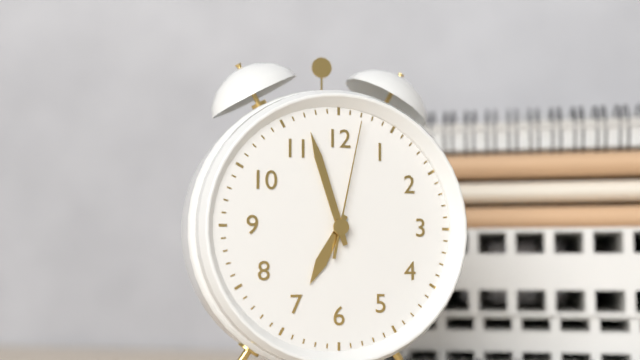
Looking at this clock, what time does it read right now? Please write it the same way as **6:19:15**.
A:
**6:57:02**
